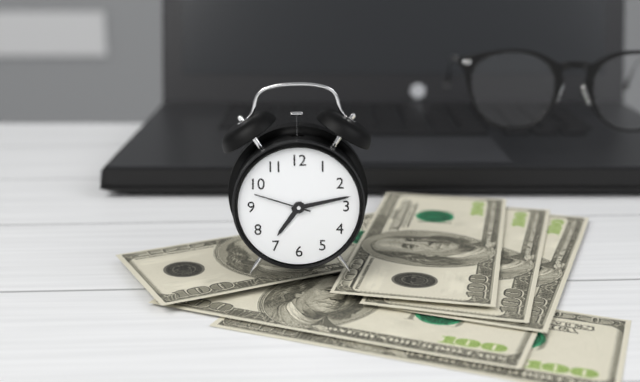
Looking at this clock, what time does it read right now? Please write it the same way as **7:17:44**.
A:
**7:13:48**
